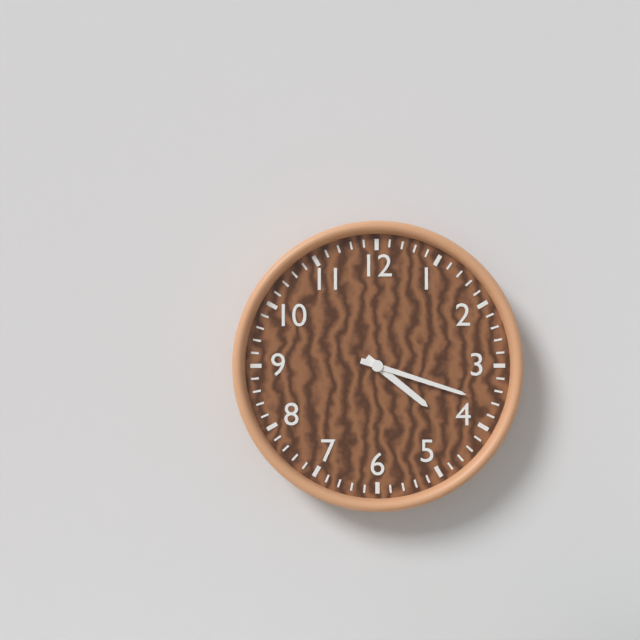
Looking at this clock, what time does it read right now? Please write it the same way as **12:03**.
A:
**4:18**
